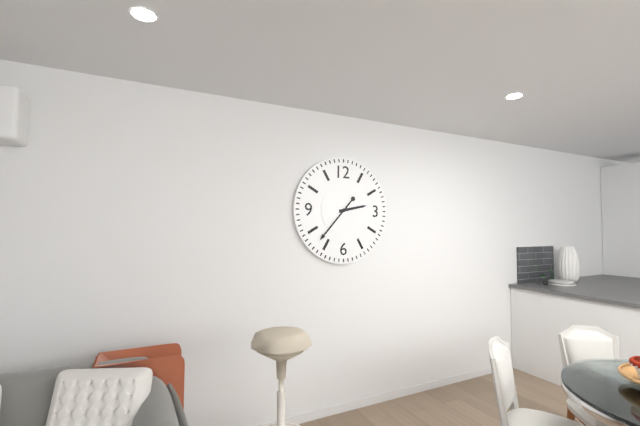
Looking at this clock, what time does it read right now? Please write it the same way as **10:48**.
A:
**2:37**
